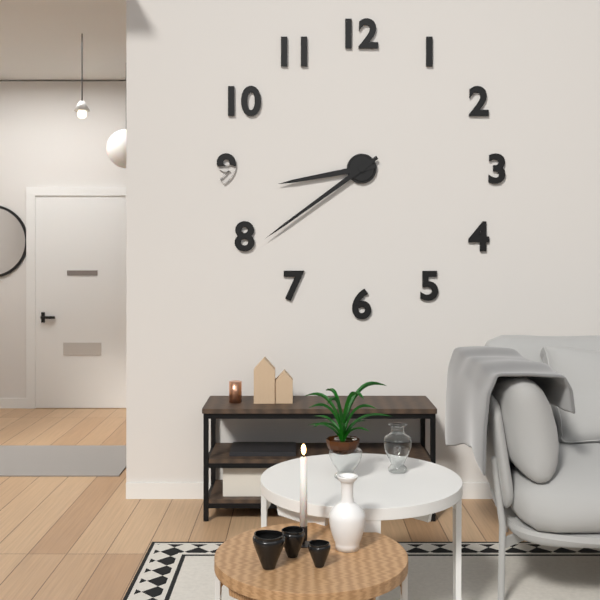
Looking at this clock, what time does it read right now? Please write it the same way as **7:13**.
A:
**8:39**
